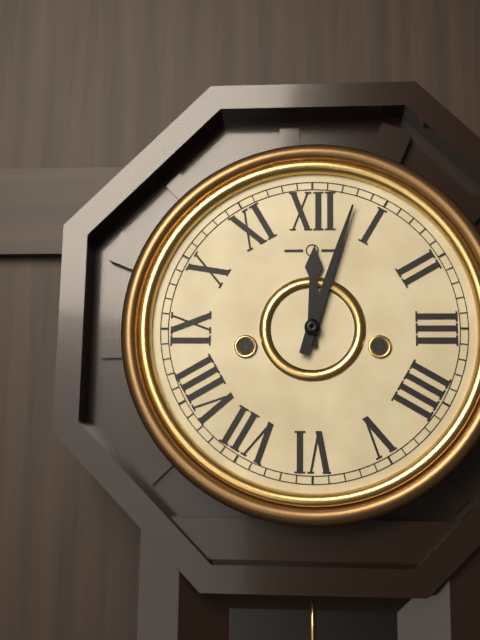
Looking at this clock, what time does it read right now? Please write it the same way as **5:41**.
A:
**12:03**
